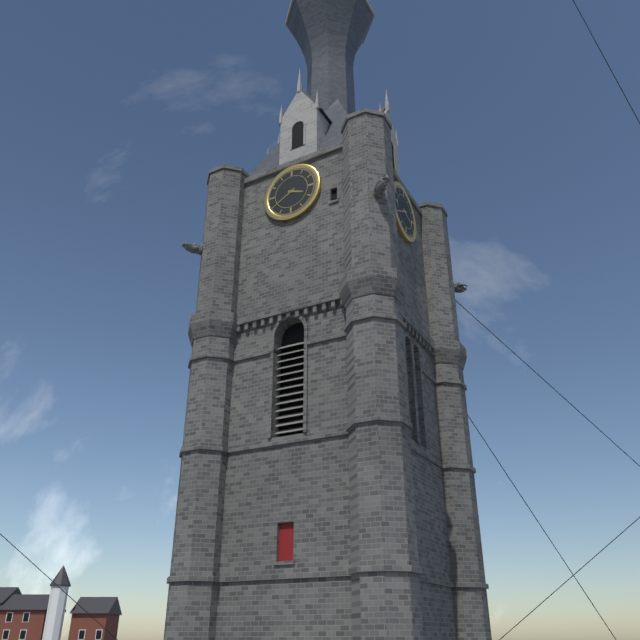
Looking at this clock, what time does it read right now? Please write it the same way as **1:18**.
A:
**3:40**
